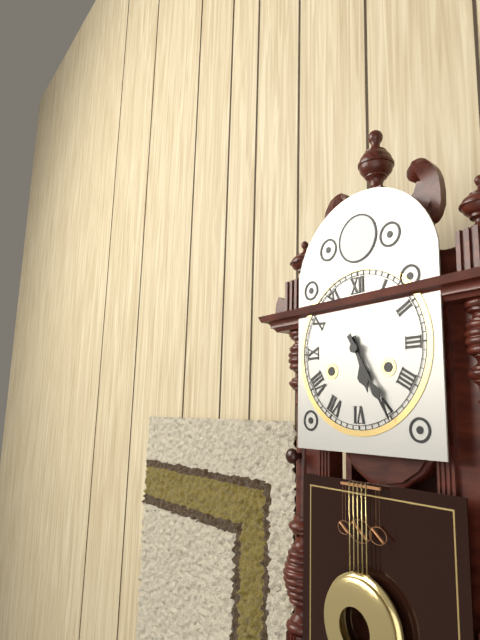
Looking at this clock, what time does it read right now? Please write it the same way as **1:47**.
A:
**5:25**
